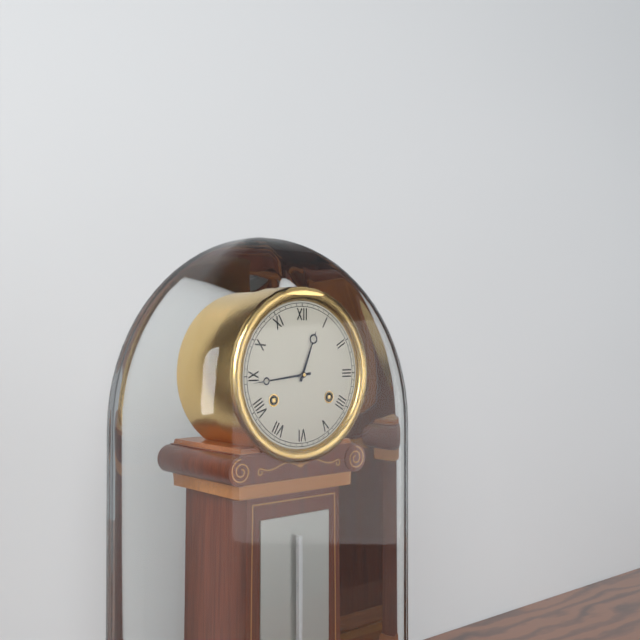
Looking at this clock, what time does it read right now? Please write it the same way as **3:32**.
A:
**12:44**
